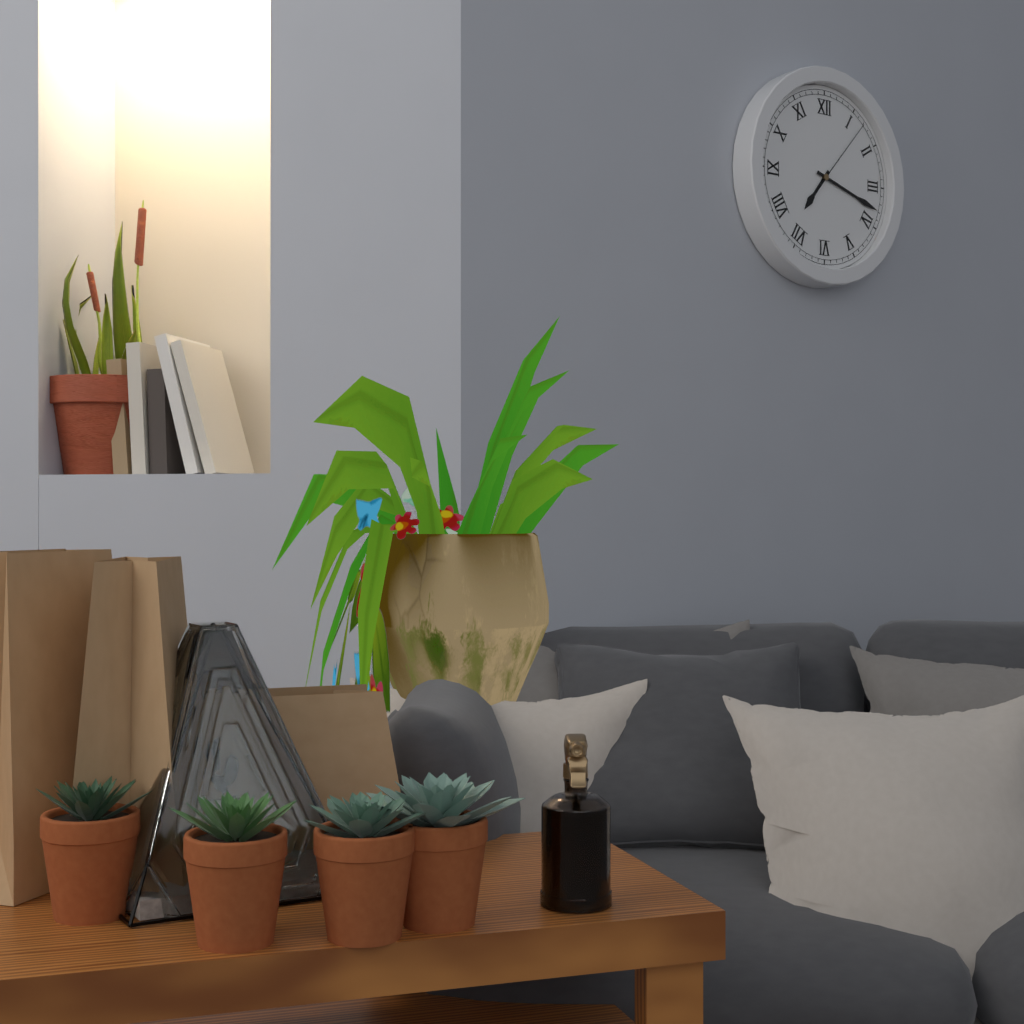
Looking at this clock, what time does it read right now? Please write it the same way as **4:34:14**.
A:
**7:18:07**
